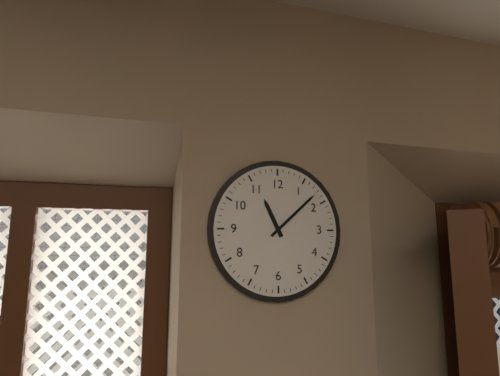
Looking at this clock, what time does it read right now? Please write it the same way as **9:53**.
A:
**11:08**
